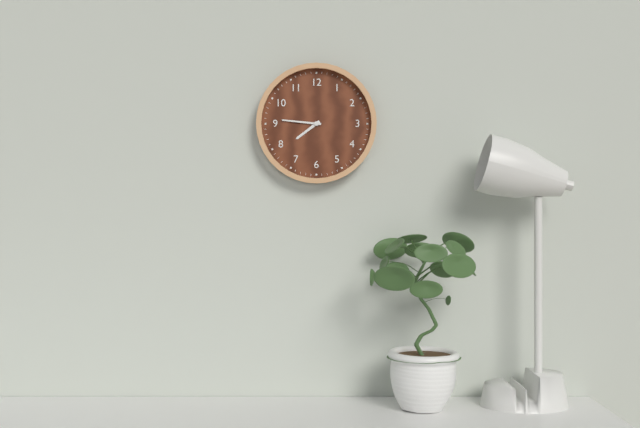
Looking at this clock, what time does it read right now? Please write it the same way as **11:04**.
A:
**7:46**
